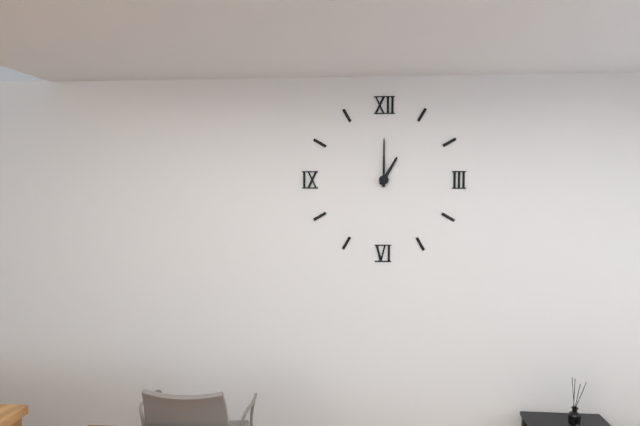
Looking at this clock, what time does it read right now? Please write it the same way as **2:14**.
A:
**1:00**
